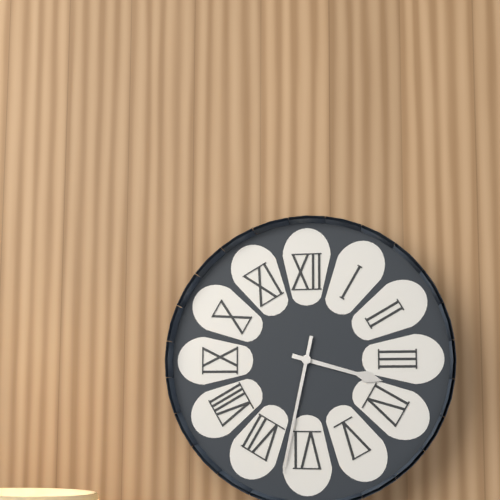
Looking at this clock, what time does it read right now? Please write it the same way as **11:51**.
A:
**3:32**
